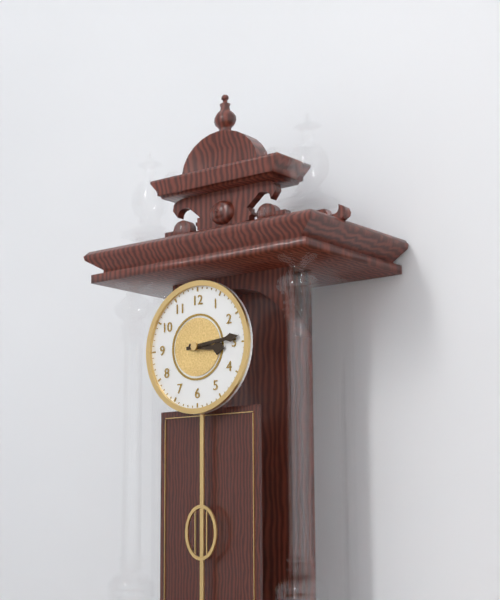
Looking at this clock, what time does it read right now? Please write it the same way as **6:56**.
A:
**3:14**
